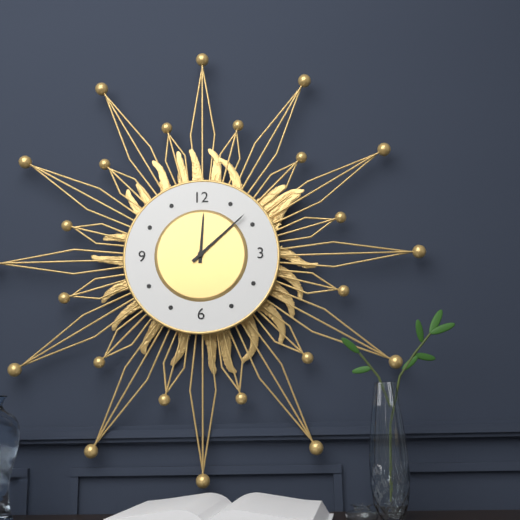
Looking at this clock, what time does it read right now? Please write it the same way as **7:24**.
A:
**12:08**
